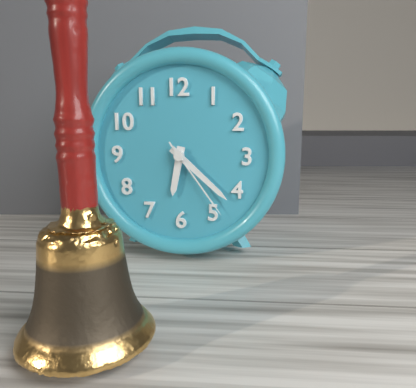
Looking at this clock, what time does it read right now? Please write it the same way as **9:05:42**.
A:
**6:22:24**
